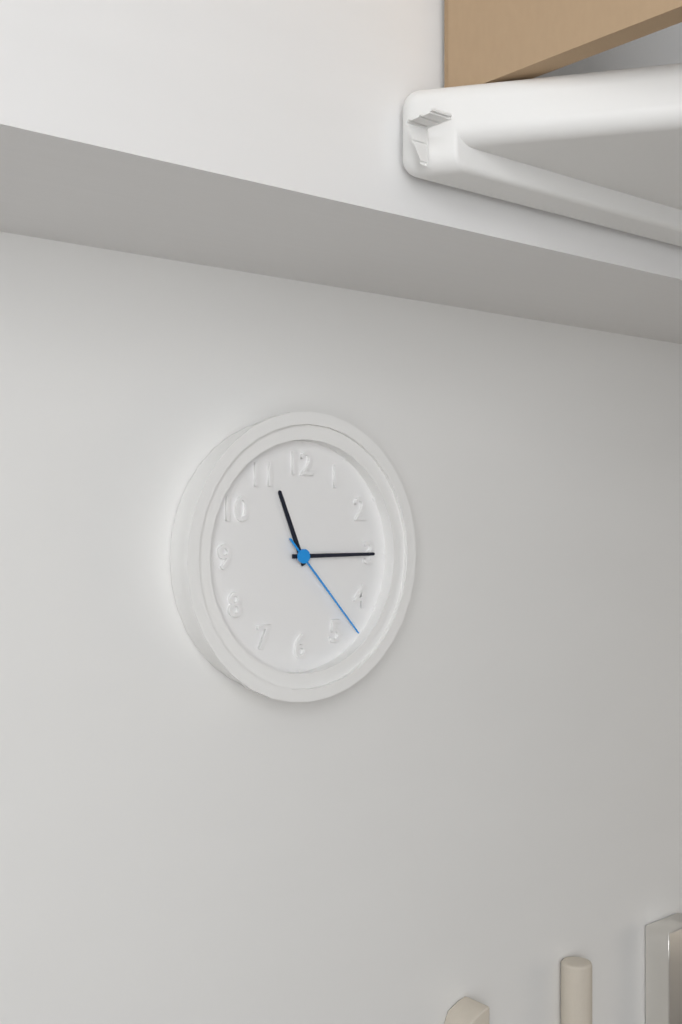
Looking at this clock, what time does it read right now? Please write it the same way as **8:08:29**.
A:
**11:15:23**
